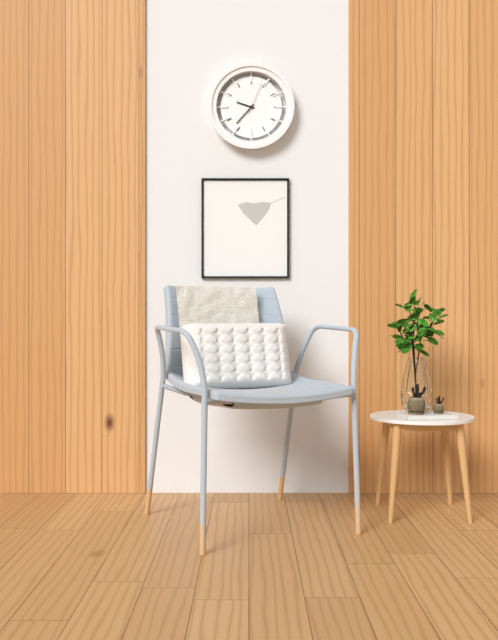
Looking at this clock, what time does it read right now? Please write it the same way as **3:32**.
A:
**9:37**
